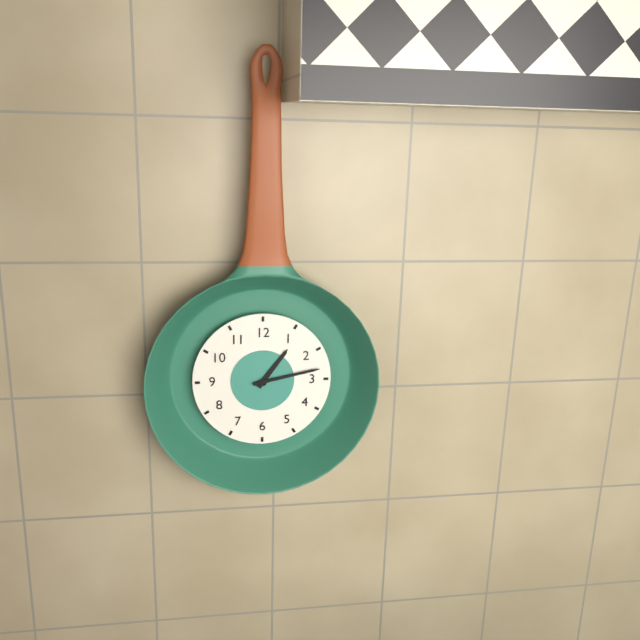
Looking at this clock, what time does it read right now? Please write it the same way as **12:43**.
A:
**1:13**
